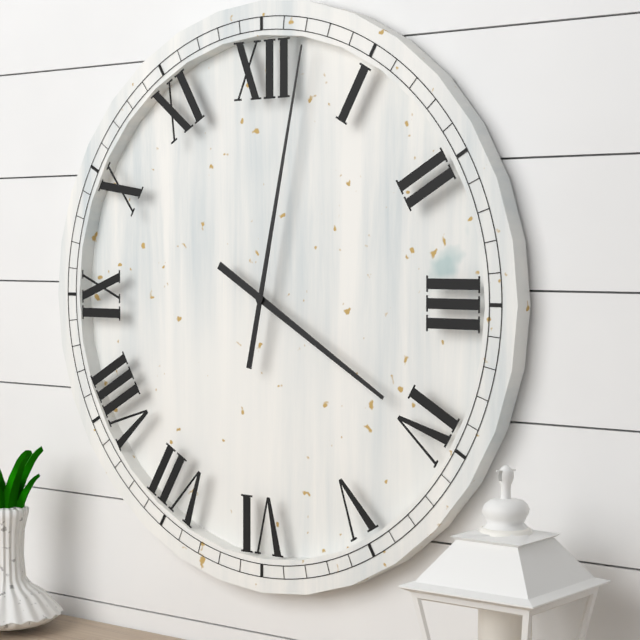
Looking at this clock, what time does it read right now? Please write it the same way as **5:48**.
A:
**4:02**
